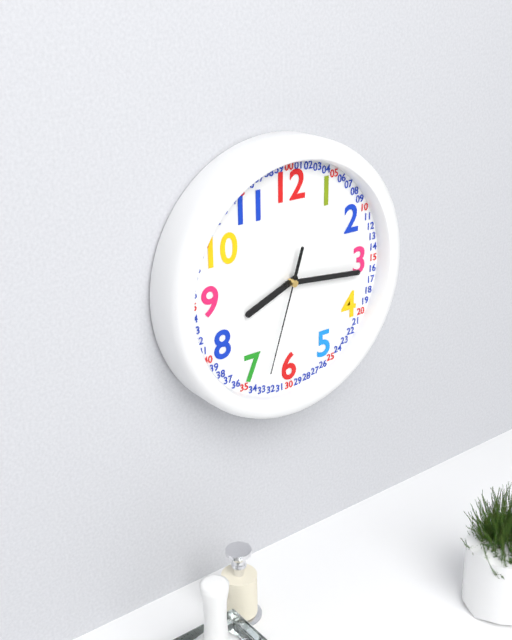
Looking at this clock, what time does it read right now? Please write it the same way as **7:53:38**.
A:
**8:16:33**
